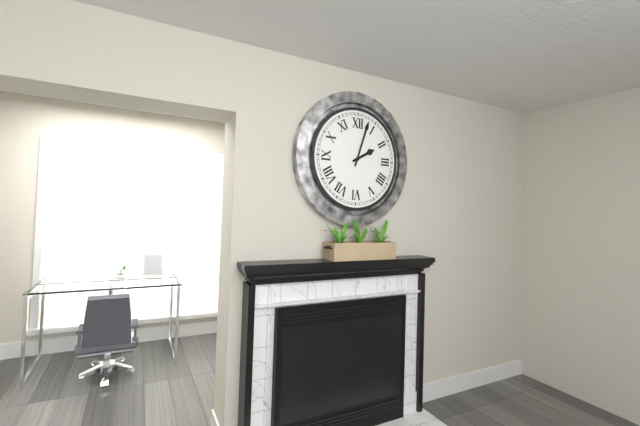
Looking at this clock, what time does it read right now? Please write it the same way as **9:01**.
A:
**2:03**
